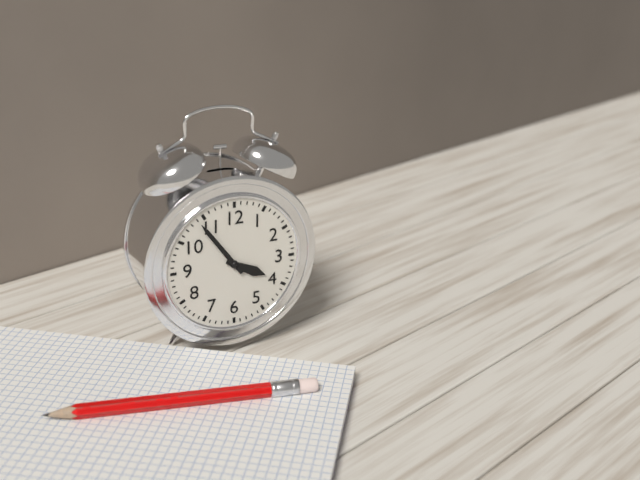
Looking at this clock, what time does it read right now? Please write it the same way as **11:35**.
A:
**3:54**
